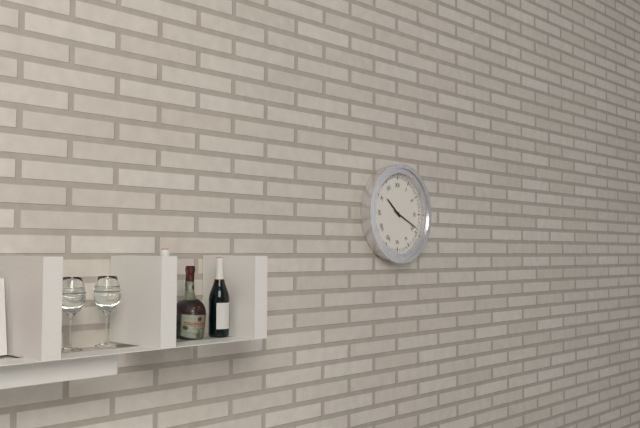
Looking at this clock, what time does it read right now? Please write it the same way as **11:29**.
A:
**10:19**
